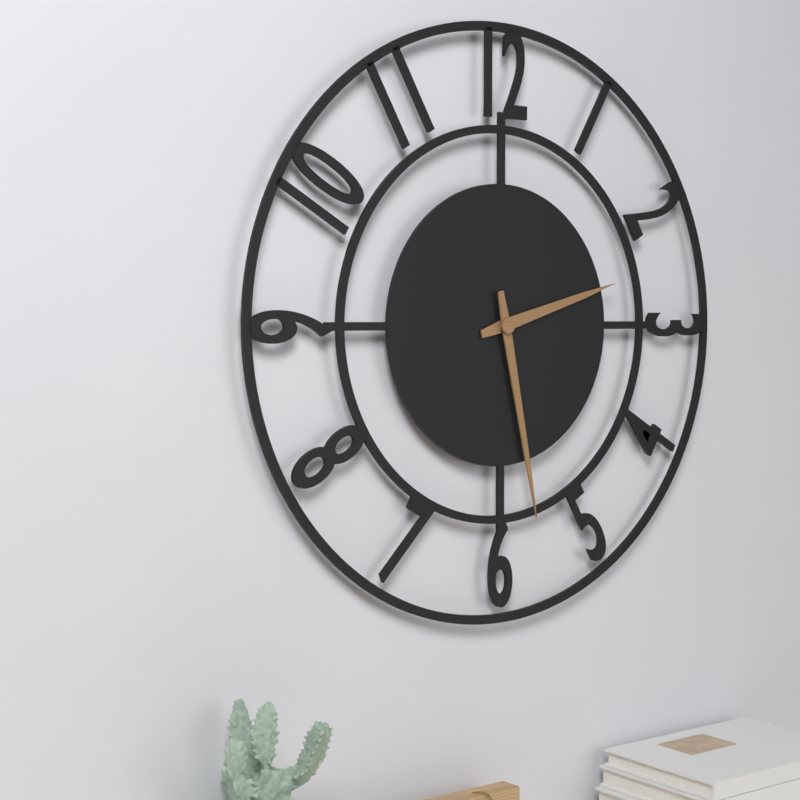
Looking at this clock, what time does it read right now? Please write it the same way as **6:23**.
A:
**2:28**
